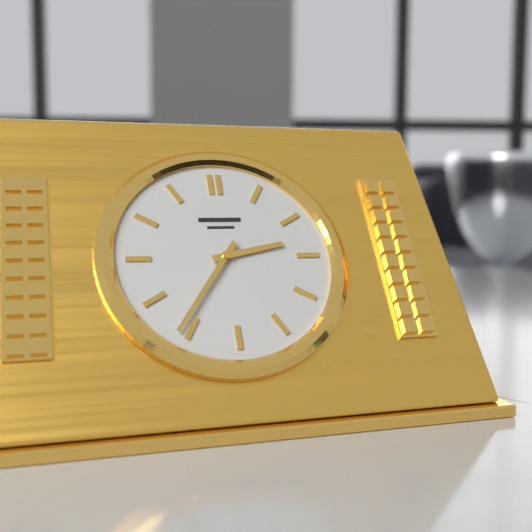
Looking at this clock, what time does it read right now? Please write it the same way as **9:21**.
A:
**2:36**
